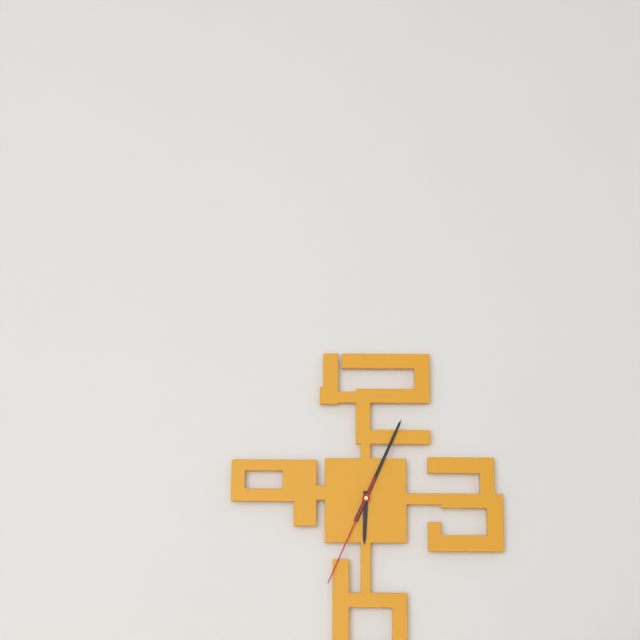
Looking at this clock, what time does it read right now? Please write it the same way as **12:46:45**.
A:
**6:04:34**
